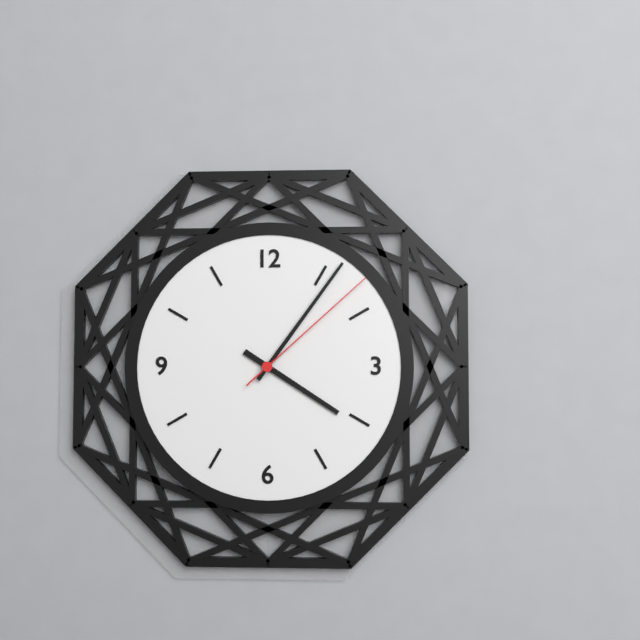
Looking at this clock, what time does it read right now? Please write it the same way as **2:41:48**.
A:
**4:06:08**
